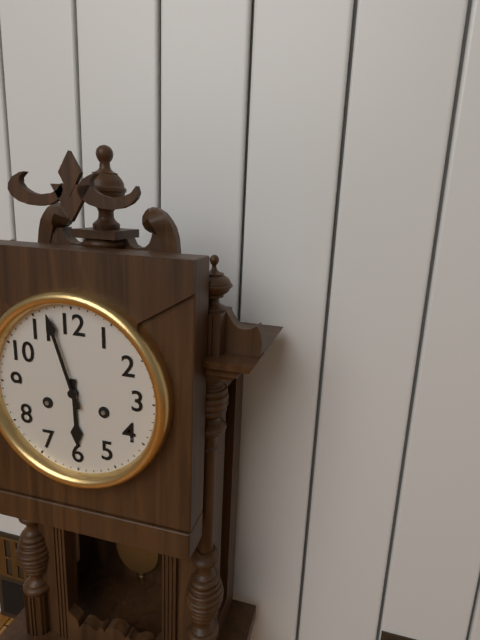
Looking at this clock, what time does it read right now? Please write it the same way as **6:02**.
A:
**5:57**
